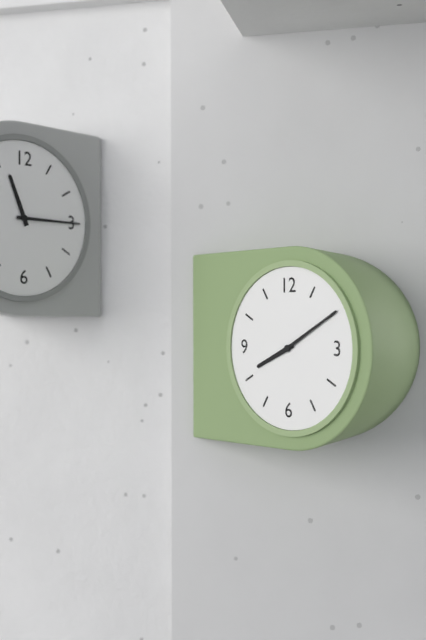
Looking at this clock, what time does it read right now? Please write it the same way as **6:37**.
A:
**8:10**
